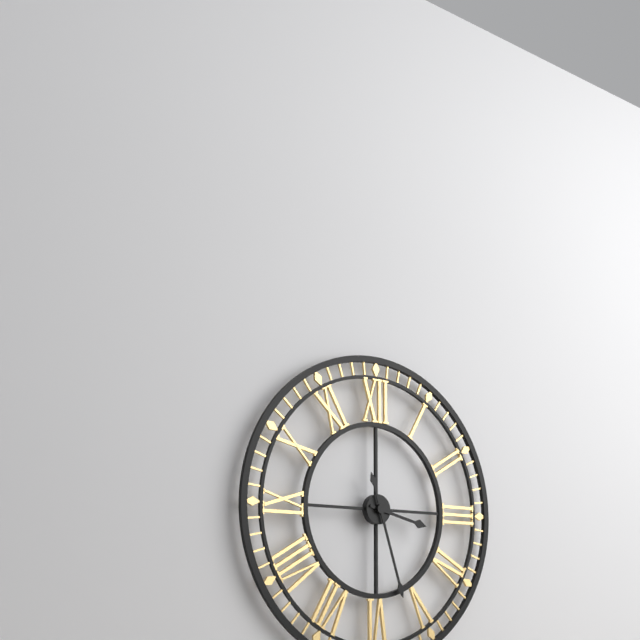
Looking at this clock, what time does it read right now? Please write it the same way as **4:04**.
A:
**3:27**
